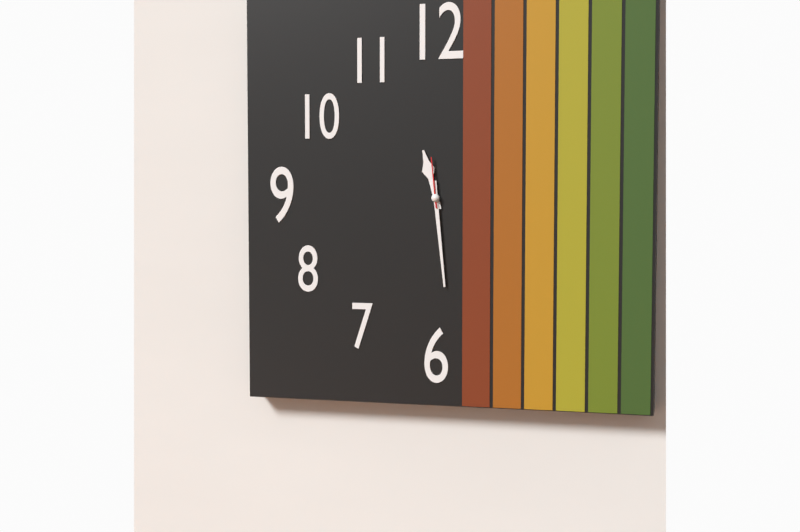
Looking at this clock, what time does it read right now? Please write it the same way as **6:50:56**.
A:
**11:29:59**
